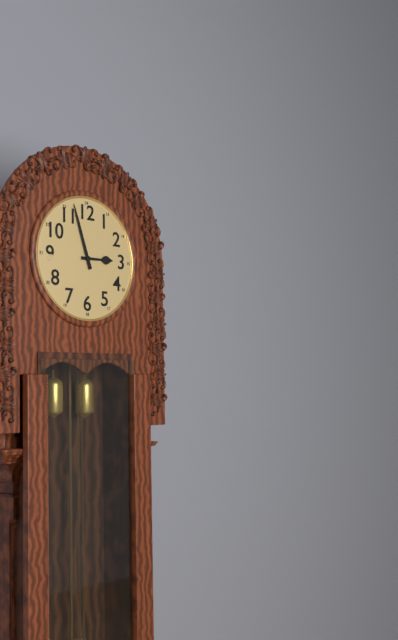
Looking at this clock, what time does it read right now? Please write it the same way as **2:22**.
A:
**2:57**
